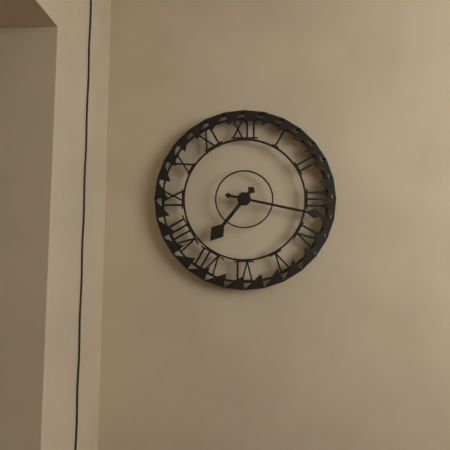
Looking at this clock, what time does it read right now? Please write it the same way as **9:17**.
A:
**7:17**
